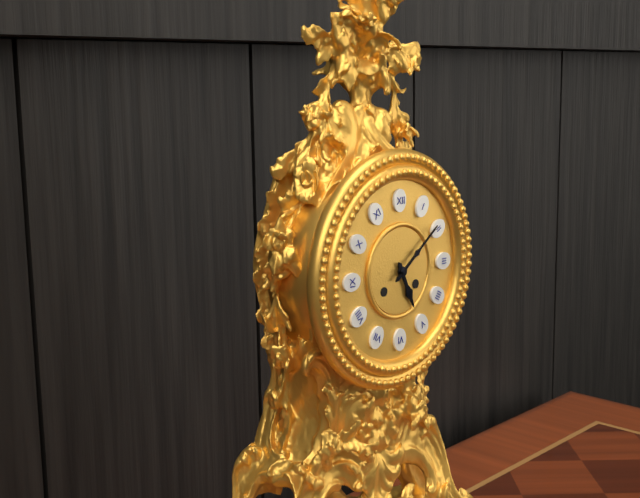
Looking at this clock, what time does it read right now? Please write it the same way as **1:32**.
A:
**5:09**
